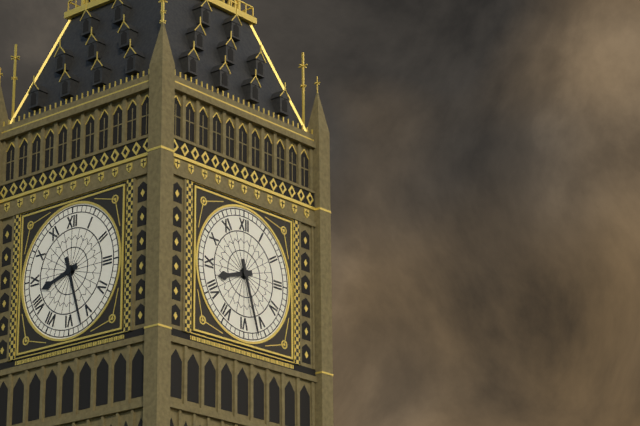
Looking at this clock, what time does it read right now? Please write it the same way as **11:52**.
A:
**8:27**
